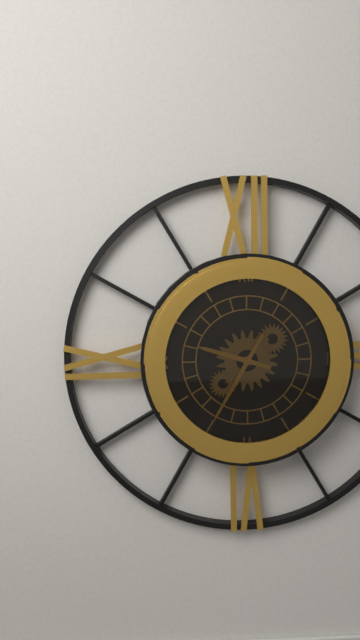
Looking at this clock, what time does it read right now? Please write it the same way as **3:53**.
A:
**9:35**
